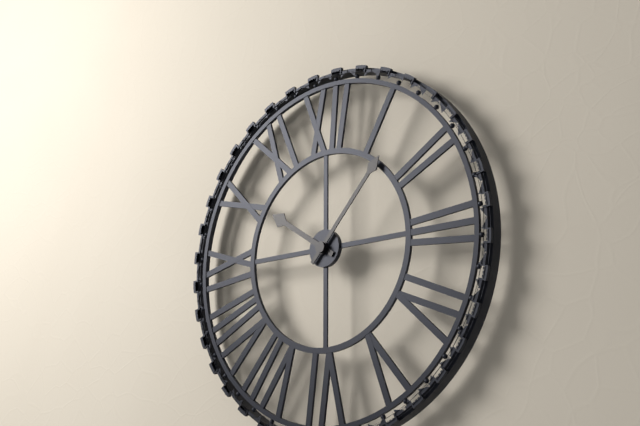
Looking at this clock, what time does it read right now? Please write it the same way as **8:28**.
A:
**10:07**
